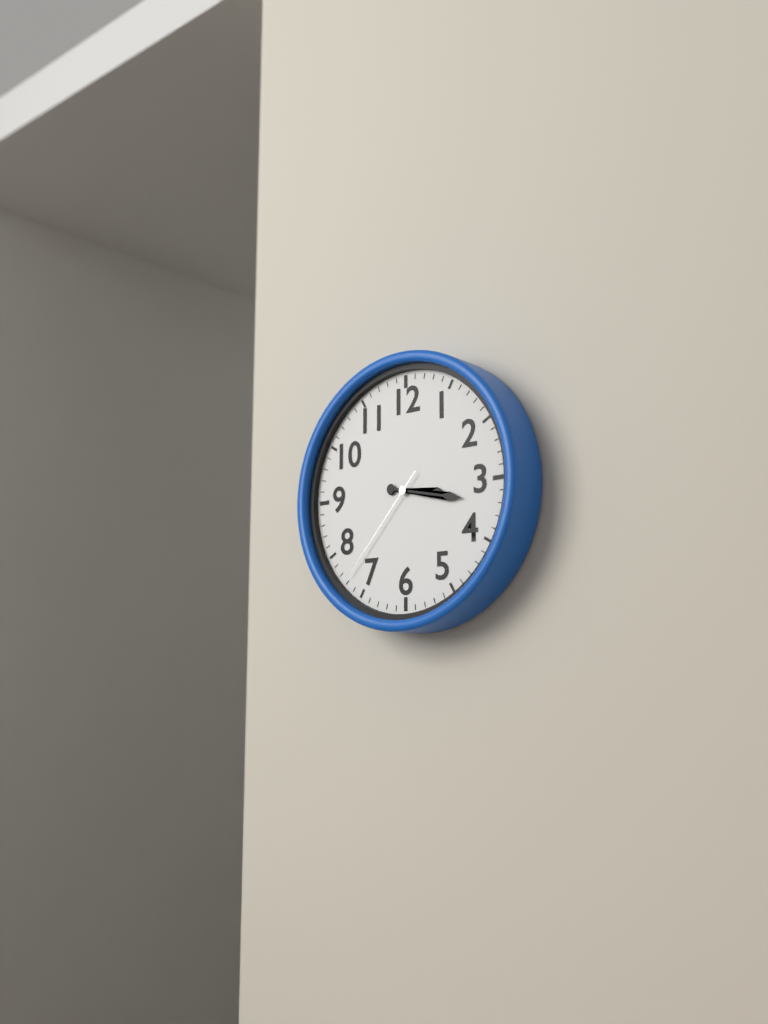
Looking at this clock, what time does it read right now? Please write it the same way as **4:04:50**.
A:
**3:17:37**
